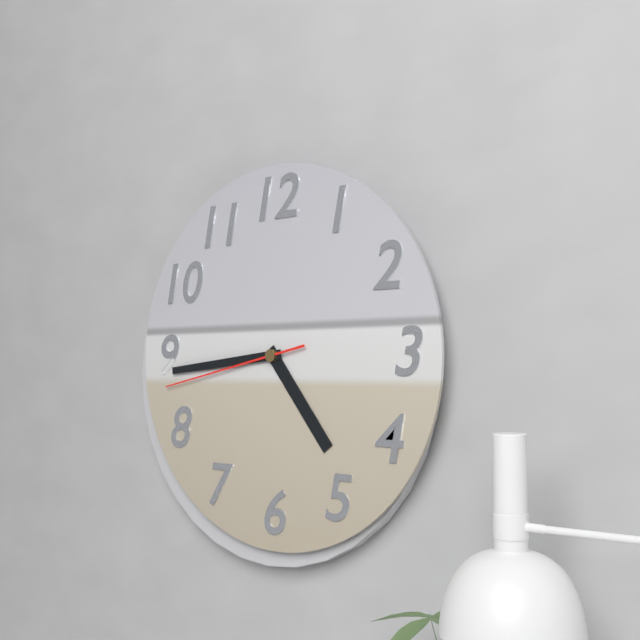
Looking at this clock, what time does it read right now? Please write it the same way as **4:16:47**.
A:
**4:44:43**
